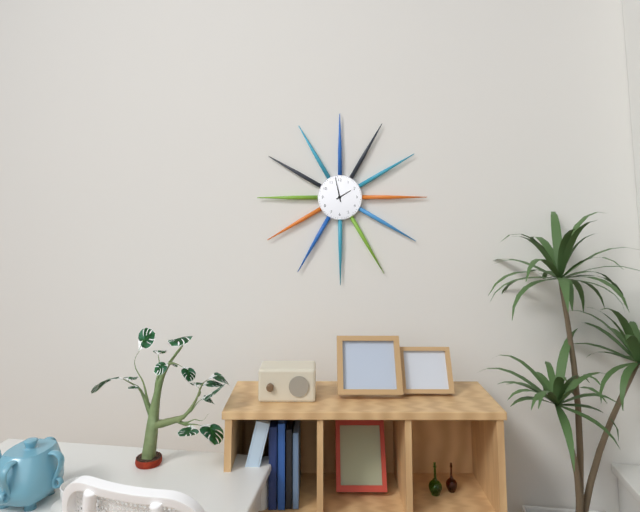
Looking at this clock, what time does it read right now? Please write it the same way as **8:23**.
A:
**1:58**
